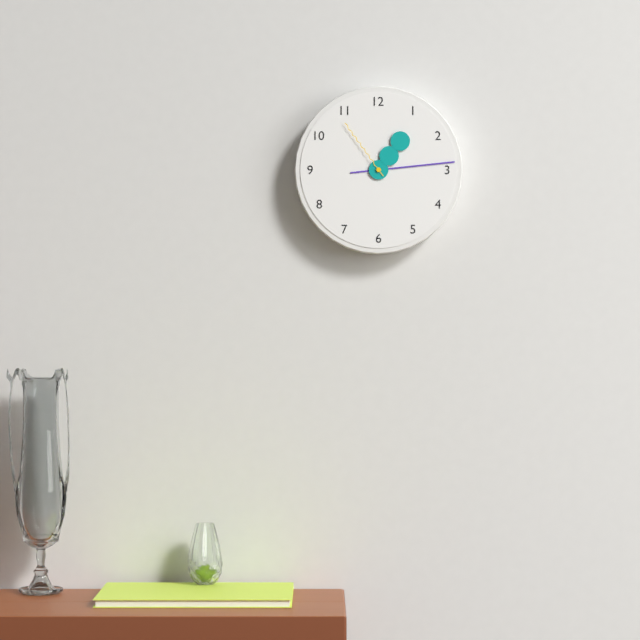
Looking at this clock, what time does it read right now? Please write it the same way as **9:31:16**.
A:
**1:14:54**
